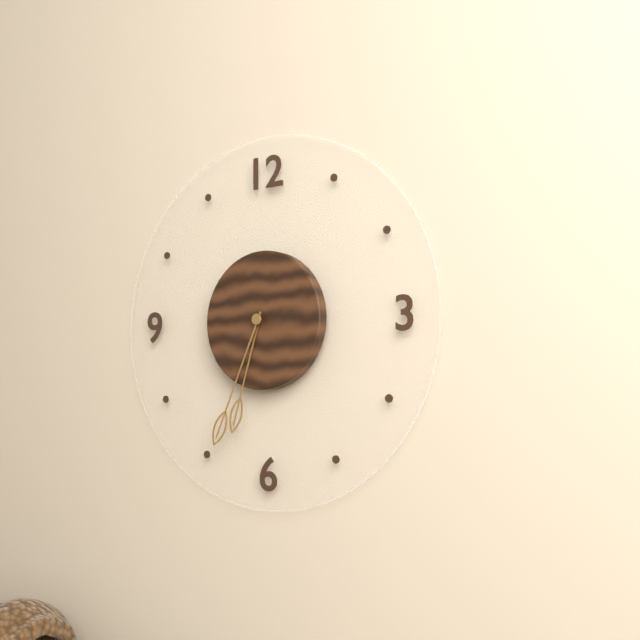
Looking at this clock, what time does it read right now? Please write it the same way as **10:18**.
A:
**6:34**
